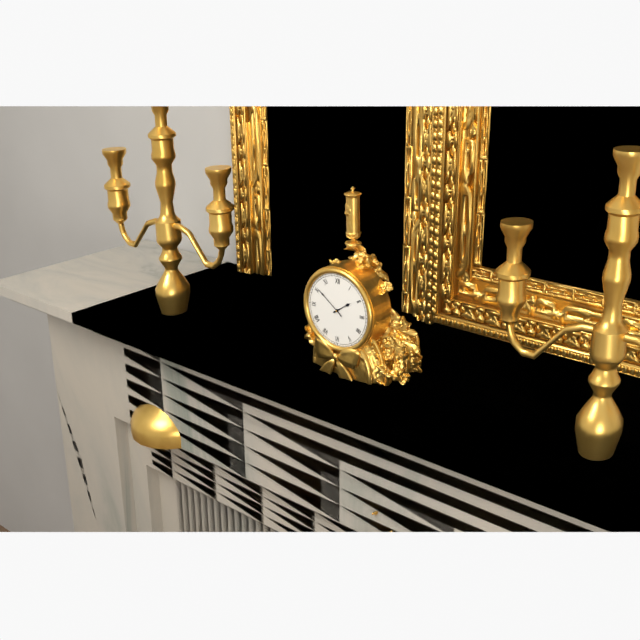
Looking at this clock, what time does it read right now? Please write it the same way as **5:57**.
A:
**1:51**
